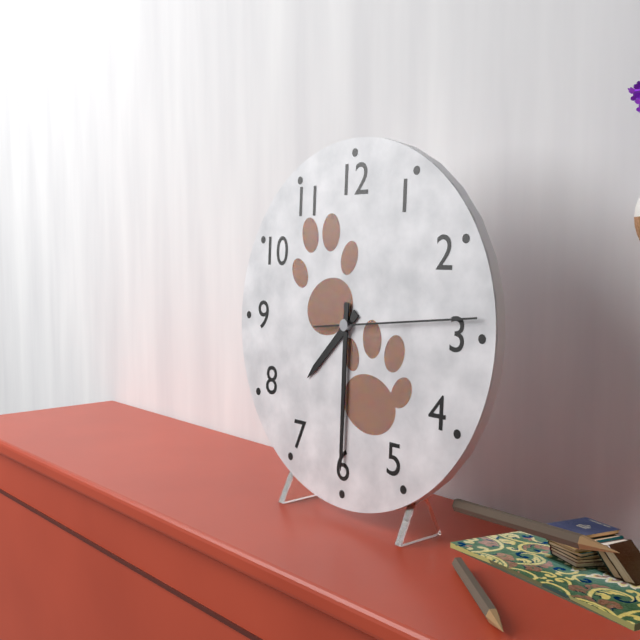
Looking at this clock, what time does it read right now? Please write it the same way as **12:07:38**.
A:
**7:30:14**
